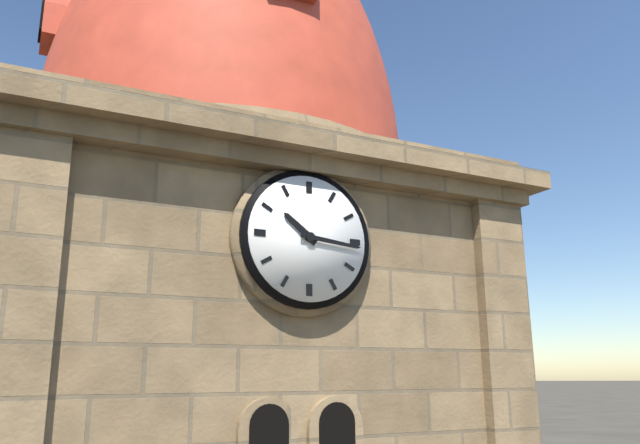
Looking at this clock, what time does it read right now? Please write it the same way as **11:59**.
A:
**10:16**
